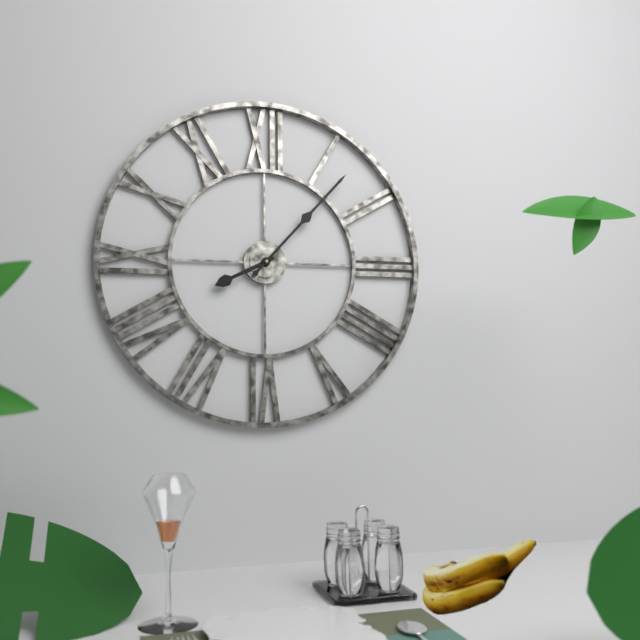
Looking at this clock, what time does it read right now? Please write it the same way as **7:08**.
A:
**8:07**
